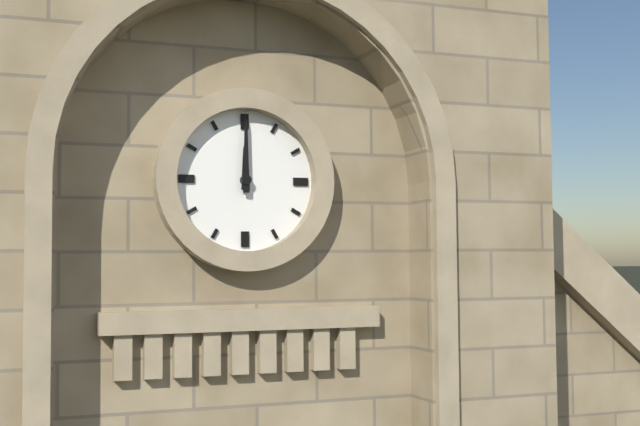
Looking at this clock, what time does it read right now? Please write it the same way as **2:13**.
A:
**12:00**
